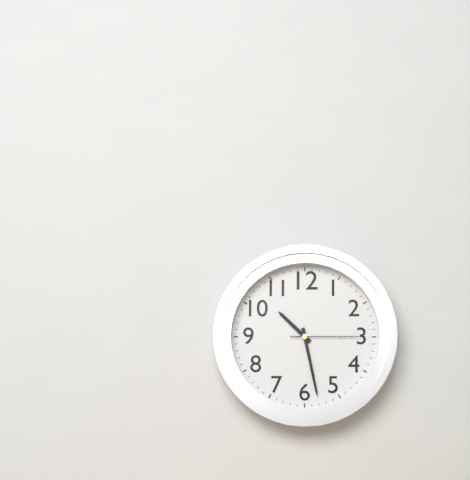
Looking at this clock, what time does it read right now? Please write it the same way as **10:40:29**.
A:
**10:28:15**
